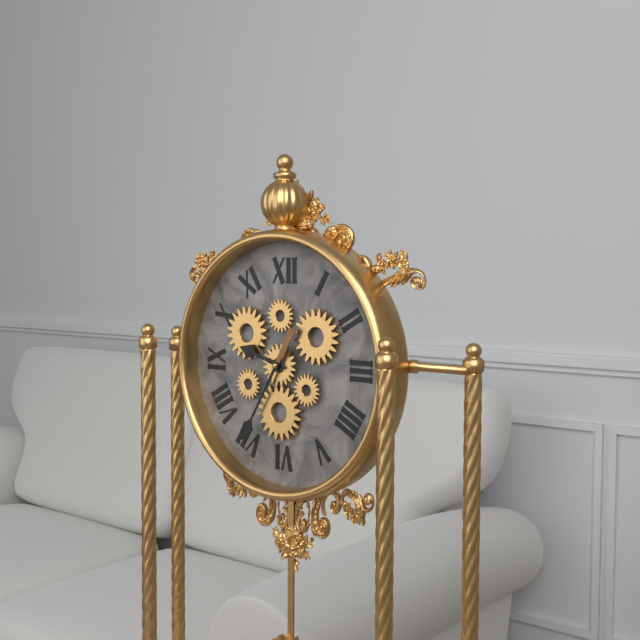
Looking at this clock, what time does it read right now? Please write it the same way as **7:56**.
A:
**9:35**
